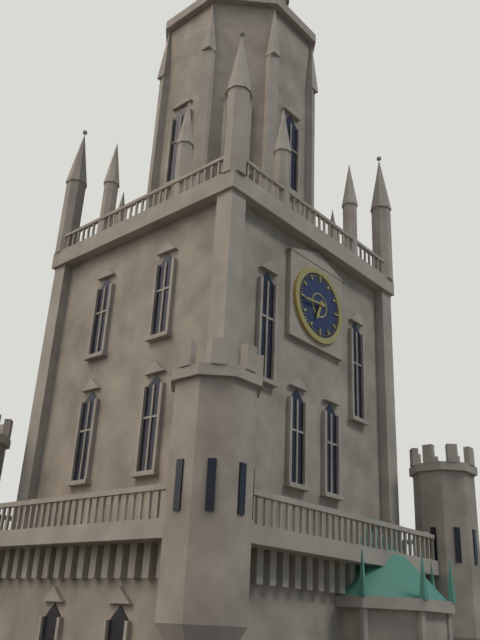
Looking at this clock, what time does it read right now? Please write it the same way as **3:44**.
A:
**6:44**
